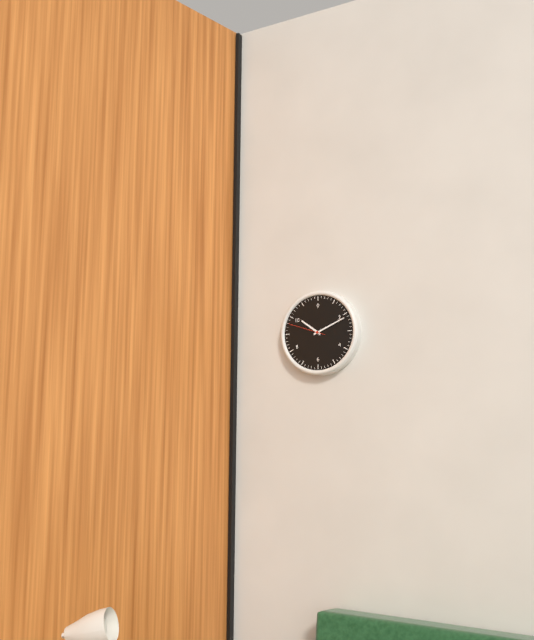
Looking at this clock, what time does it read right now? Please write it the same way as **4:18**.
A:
**10:11**
